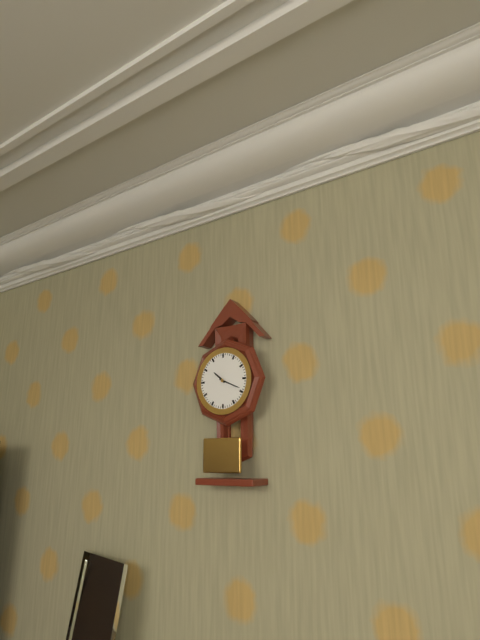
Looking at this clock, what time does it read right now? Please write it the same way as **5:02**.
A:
**10:19**
